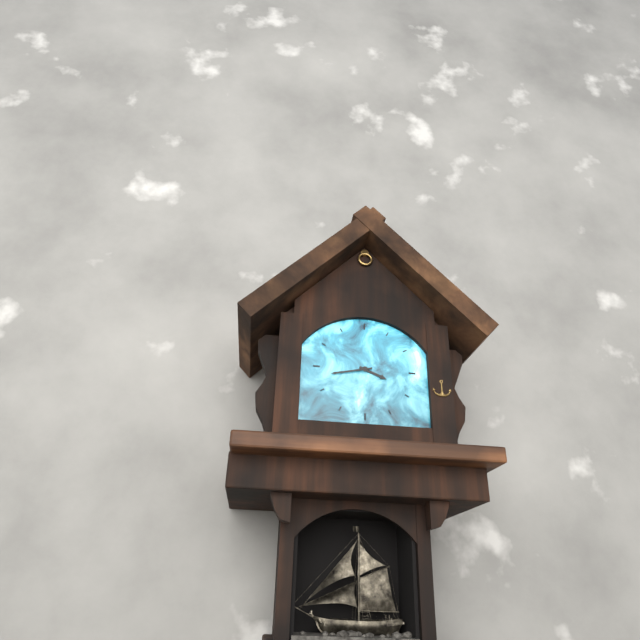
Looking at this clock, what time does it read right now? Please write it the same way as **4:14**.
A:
**3:43**
